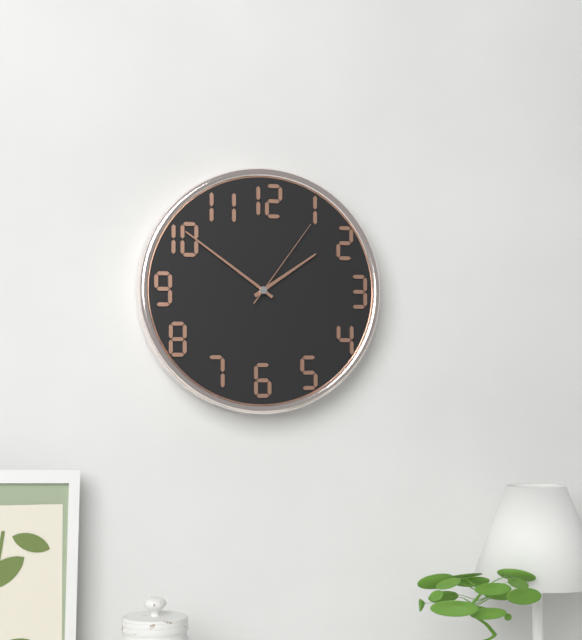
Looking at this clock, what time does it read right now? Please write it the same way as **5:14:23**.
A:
**1:51:06**
